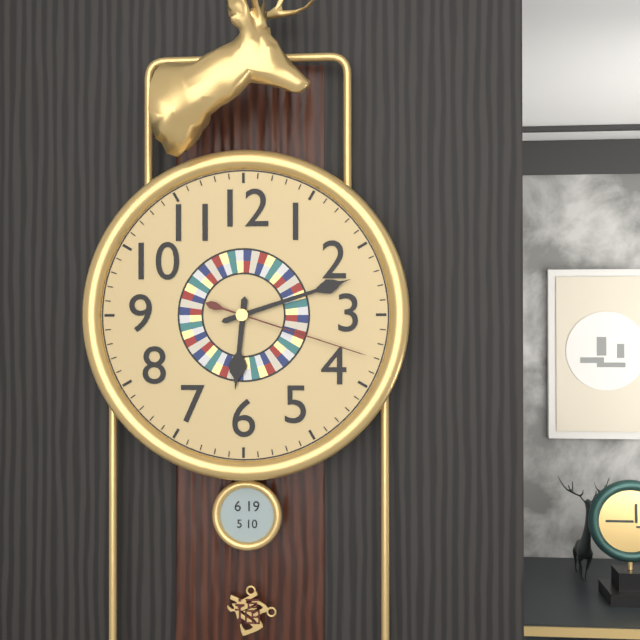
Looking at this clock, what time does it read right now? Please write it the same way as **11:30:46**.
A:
**6:12:18**
